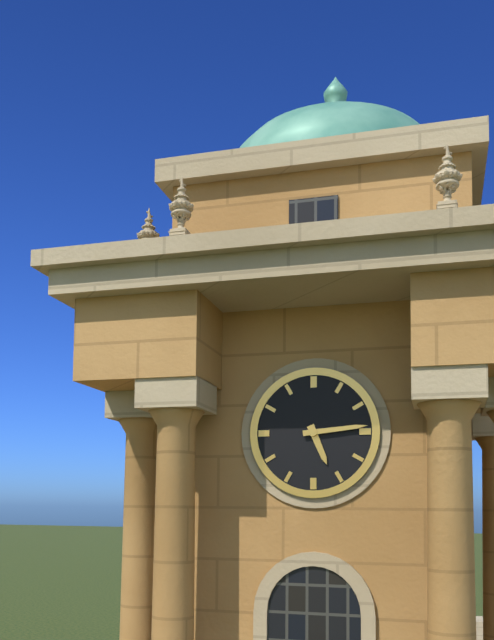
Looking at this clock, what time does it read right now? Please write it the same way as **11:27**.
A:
**5:14**
